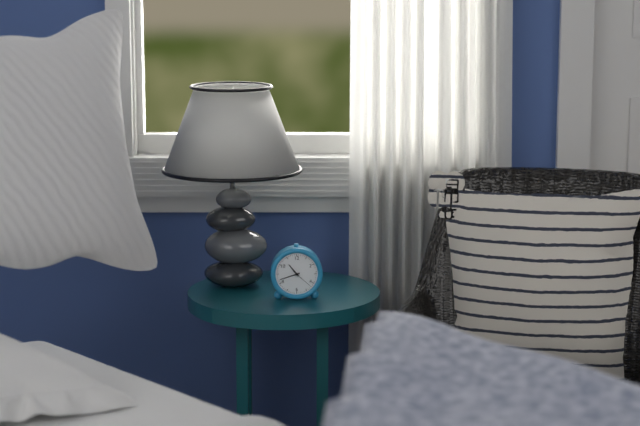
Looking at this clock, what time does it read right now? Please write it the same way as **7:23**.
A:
**10:42**
